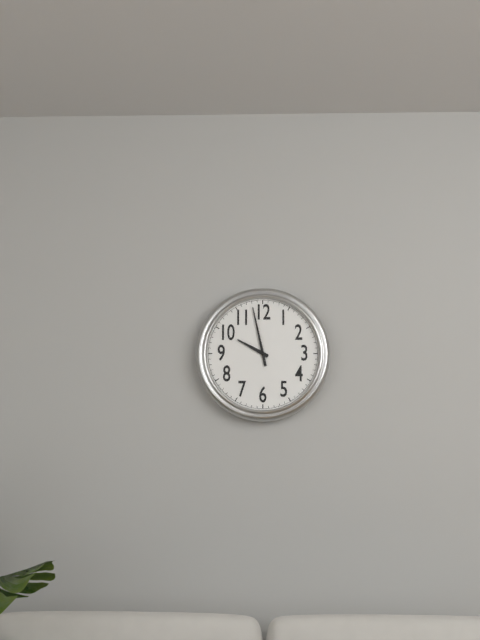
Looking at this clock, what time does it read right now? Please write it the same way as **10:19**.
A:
**9:58**
